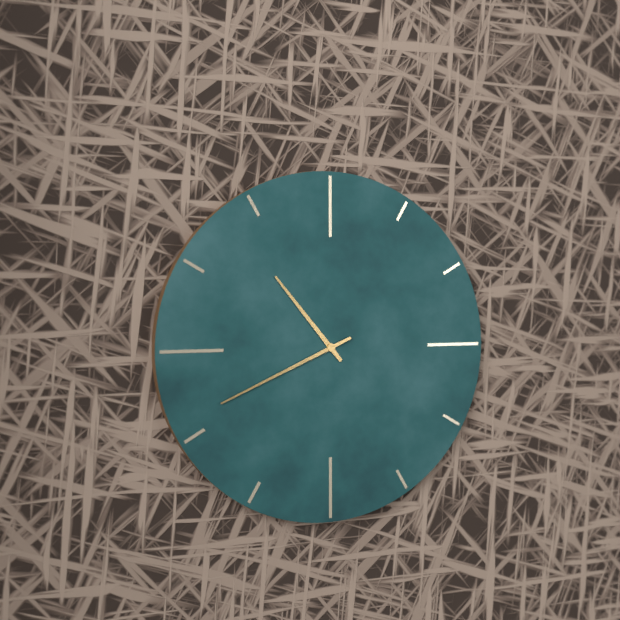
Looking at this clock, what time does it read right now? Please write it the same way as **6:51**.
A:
**10:41**
